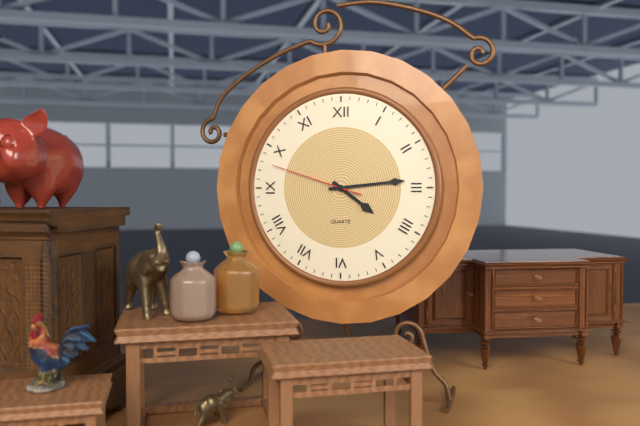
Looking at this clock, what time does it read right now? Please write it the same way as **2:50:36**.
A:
**4:14:48**
